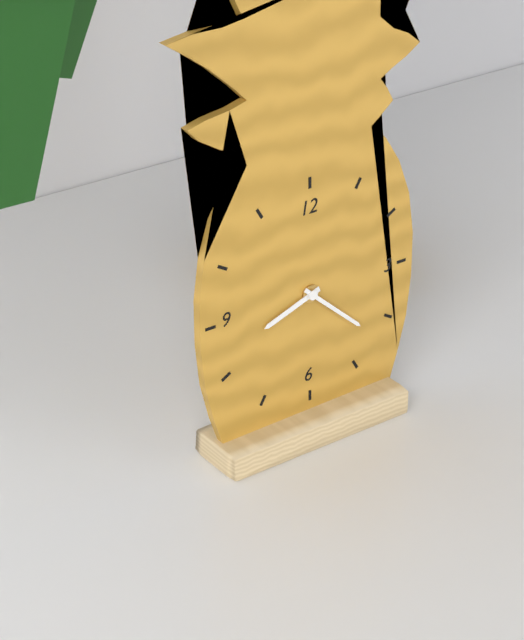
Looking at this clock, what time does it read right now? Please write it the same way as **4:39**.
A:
**8:22**
